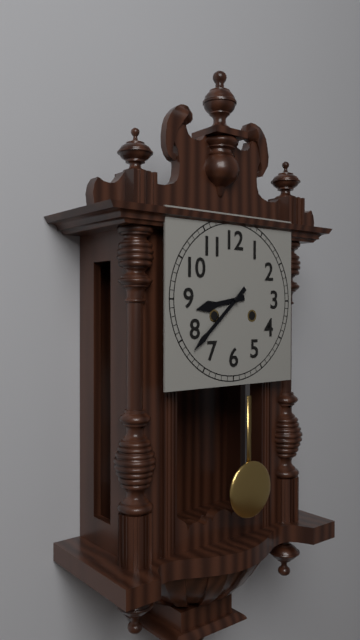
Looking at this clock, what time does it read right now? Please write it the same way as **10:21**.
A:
**8:38**
